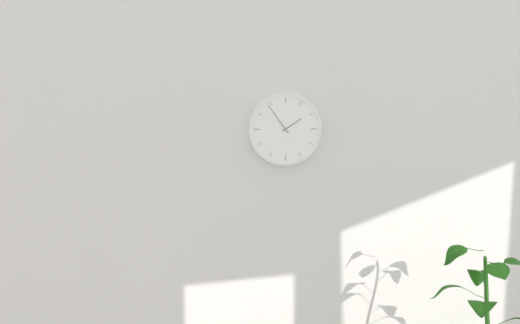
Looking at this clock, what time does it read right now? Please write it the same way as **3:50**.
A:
**1:54**
